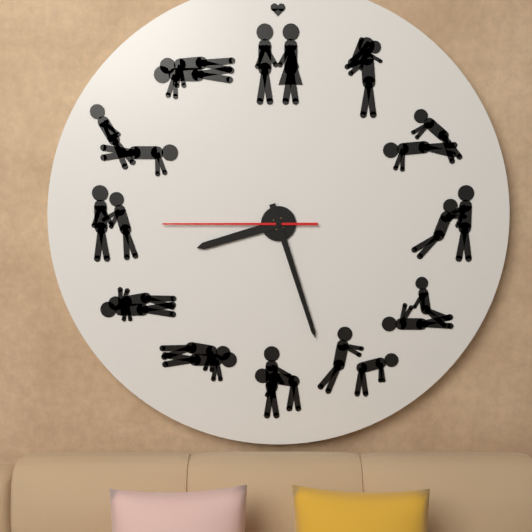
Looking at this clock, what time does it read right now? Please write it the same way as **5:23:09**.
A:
**8:27:45**
